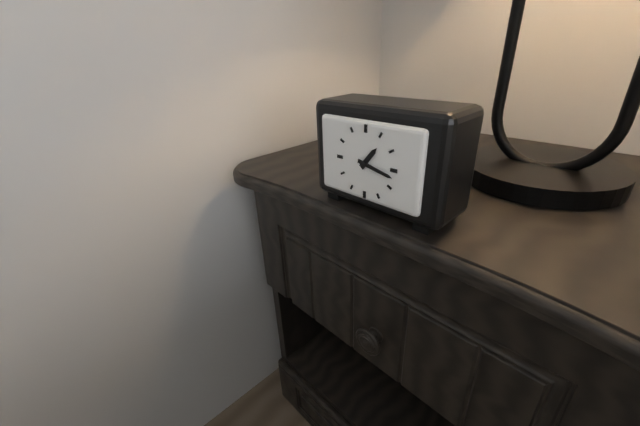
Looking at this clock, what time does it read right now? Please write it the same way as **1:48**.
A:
**1:17**
